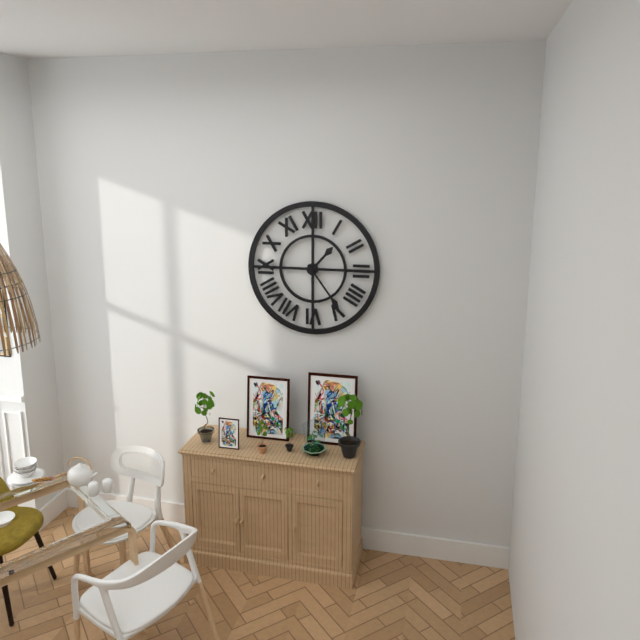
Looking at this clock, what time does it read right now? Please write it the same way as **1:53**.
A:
**1:24**
